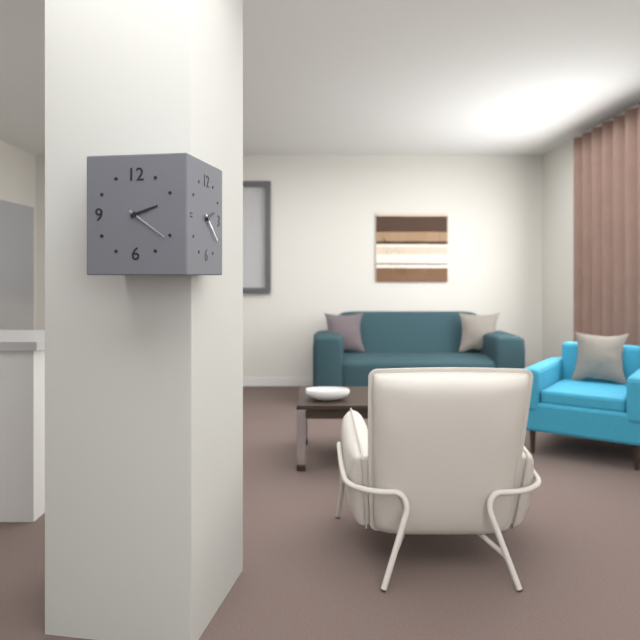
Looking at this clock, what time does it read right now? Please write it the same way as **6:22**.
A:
**2:21**
